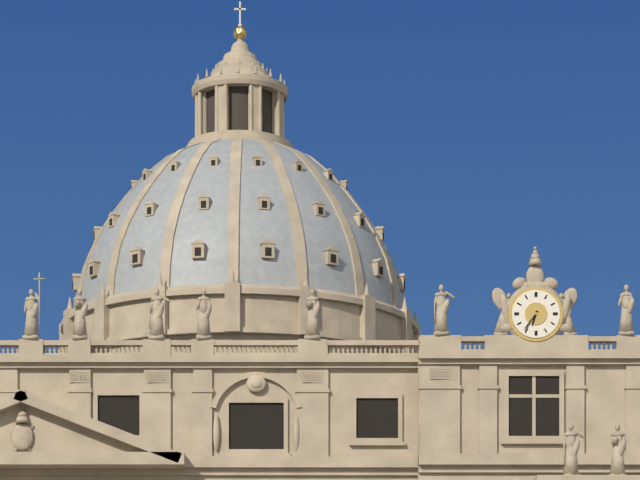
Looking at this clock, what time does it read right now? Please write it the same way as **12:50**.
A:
**6:36**
